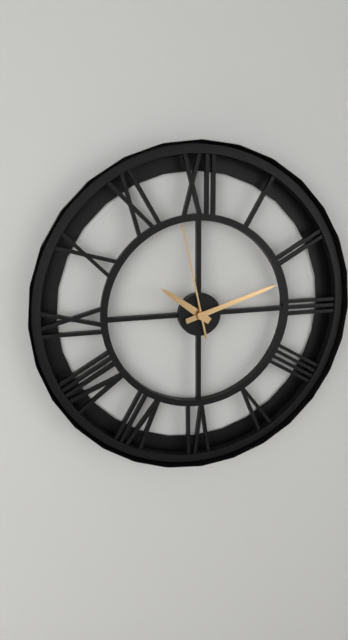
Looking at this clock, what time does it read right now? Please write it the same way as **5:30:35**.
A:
**10:12:58**
